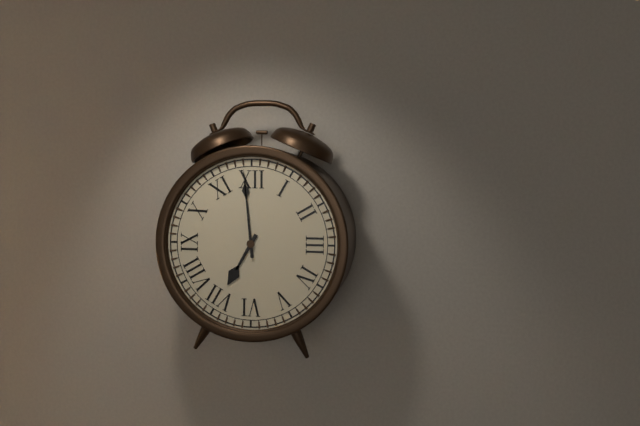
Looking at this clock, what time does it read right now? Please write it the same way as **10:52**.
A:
**6:59**
